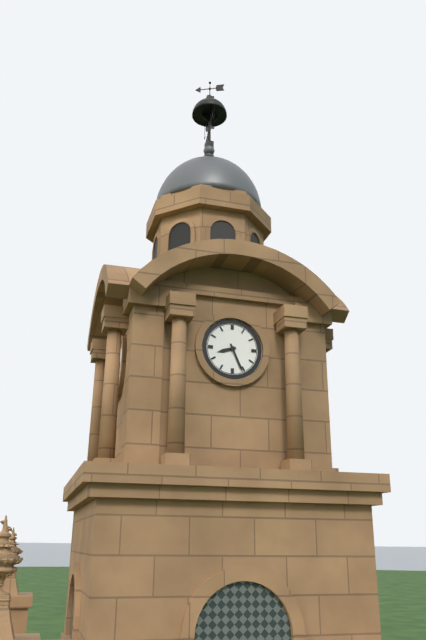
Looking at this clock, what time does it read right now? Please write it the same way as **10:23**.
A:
**8:26**
